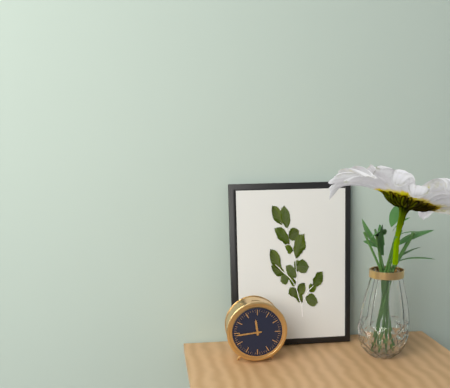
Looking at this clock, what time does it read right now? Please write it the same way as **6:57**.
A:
**11:44**
